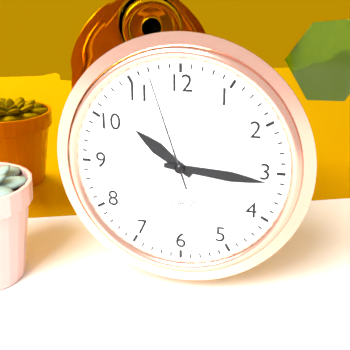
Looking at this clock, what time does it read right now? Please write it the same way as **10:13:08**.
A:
**10:16:57**
